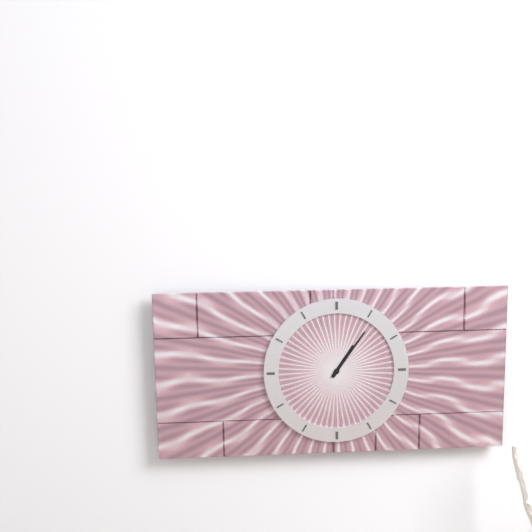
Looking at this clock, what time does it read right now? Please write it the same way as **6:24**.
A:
**1:06**
